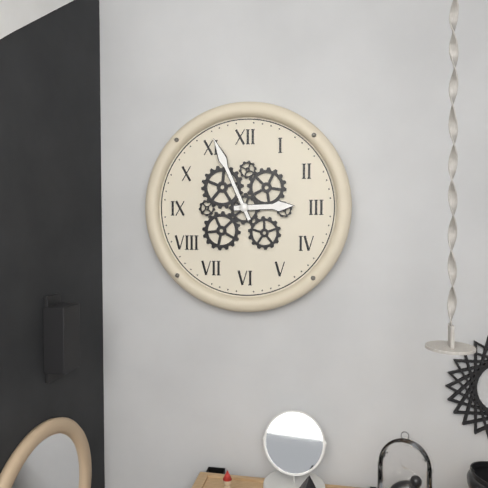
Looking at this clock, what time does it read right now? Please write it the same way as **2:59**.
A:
**2:56**
